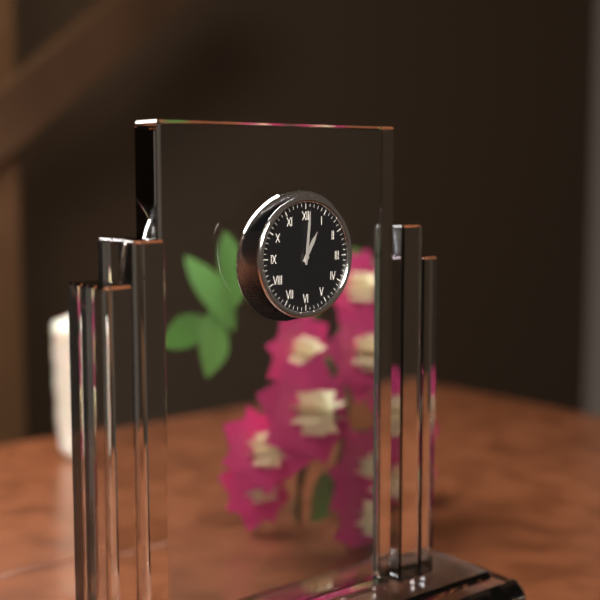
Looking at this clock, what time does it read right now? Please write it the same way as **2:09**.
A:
**1:01**
